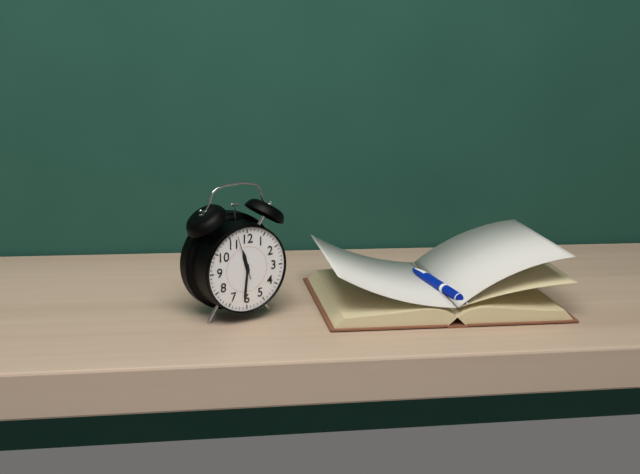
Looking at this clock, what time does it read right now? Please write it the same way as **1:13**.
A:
**11:31**
